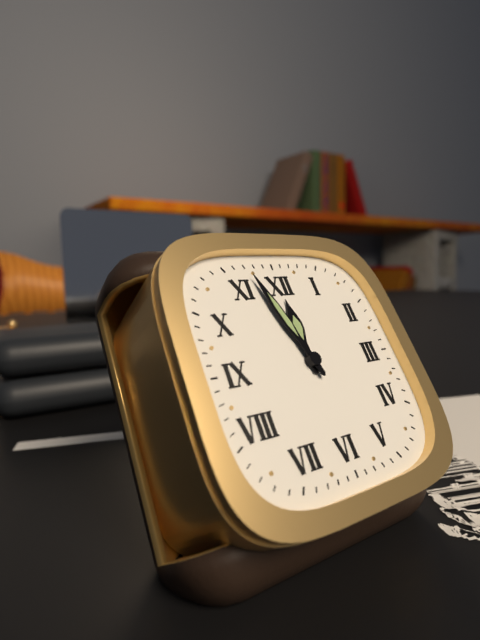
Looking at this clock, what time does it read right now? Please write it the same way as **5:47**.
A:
**11:57**
